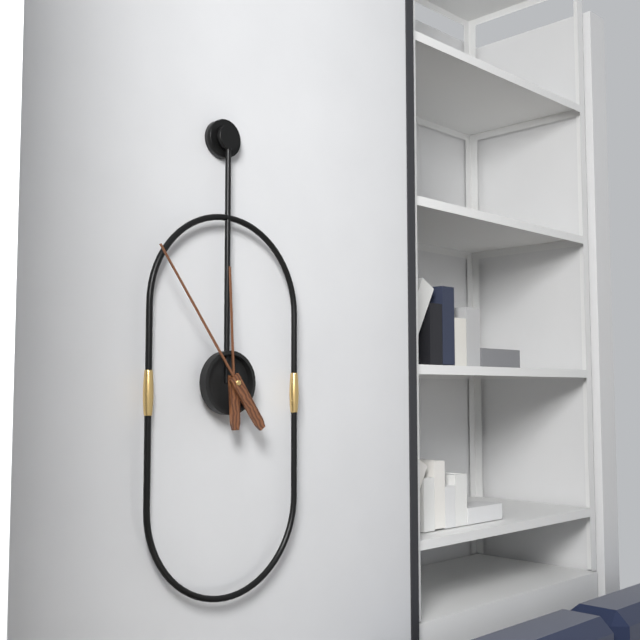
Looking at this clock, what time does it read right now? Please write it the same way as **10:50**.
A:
**11:54**
